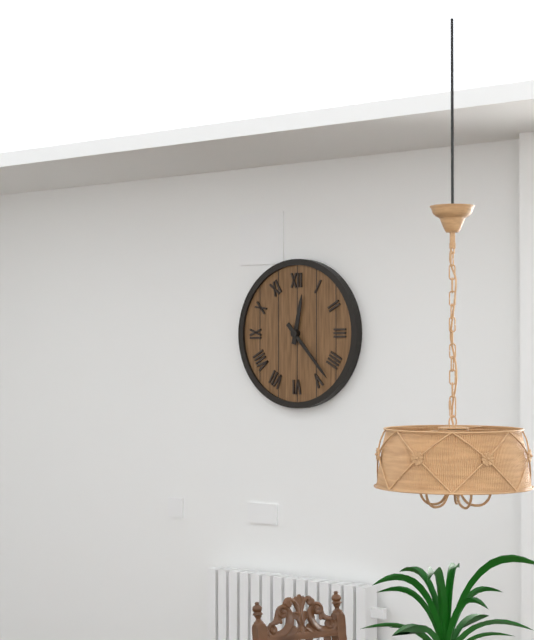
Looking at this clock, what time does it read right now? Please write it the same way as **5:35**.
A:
**12:23**
